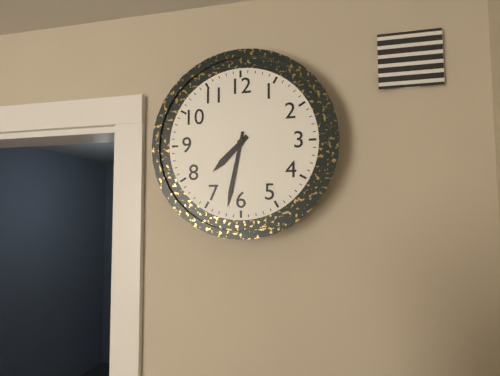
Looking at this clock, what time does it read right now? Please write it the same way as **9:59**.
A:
**7:32**
